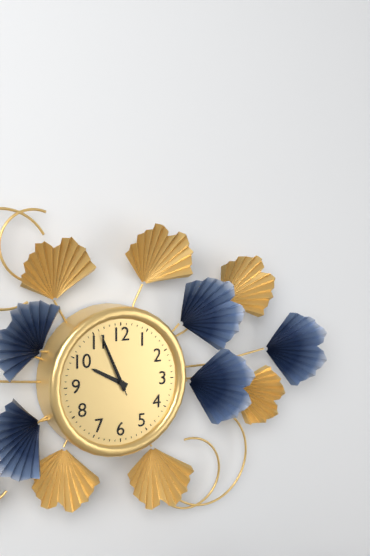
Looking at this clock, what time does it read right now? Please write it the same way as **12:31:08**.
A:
**9:56:56**
